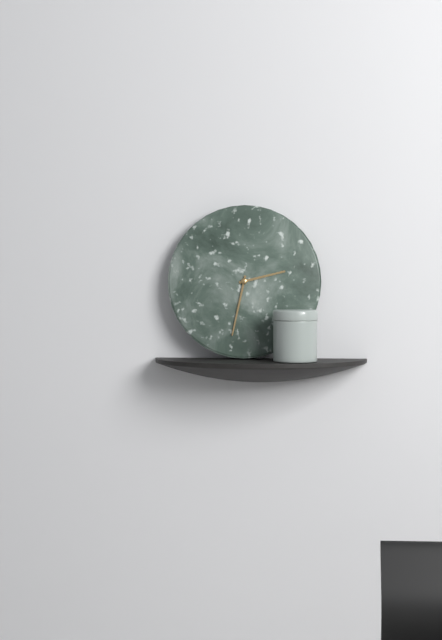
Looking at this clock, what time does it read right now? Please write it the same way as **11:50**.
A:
**2:32**
